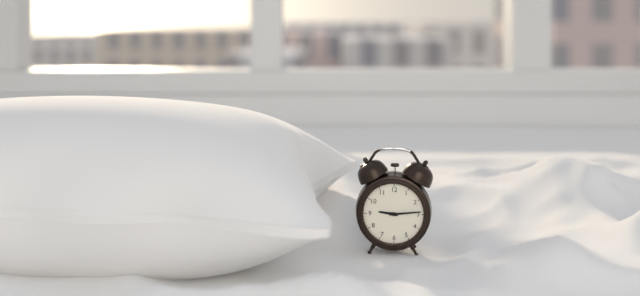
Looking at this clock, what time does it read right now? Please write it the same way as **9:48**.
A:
**9:14**
